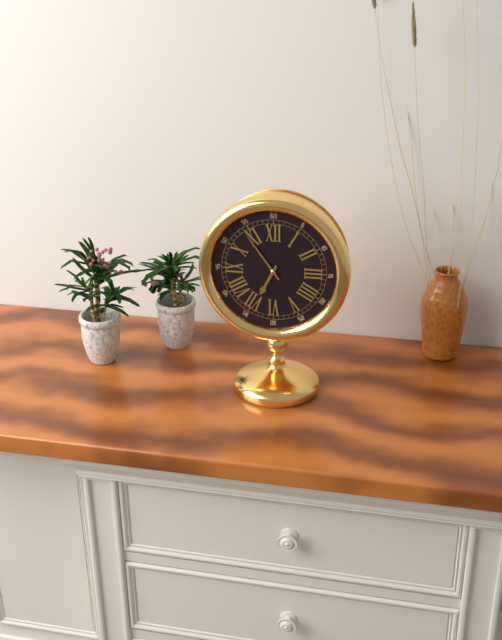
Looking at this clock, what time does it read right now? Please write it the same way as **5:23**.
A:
**6:54**
